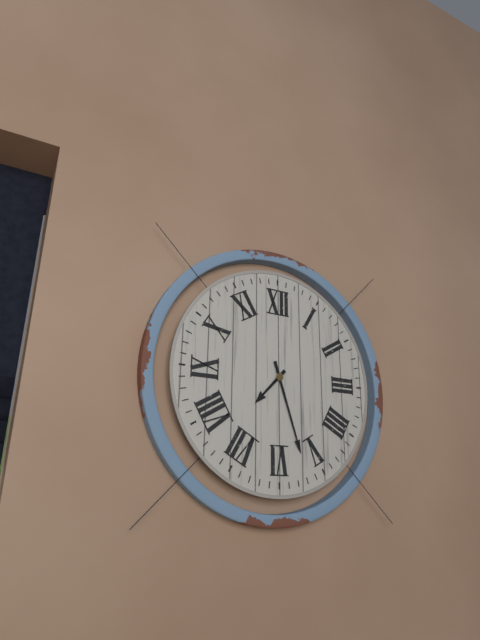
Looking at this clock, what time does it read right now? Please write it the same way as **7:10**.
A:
**7:27**
